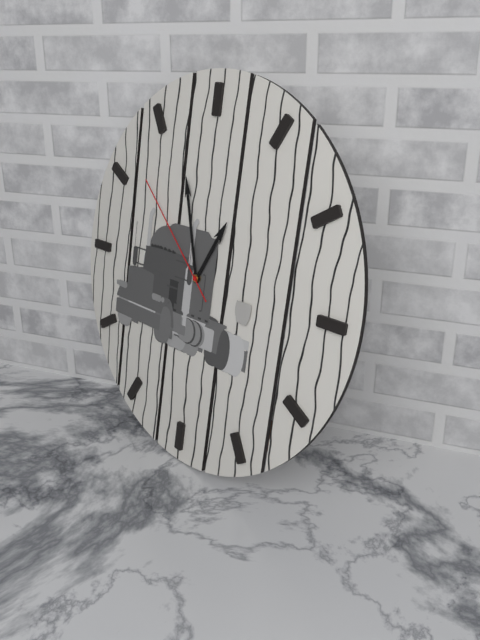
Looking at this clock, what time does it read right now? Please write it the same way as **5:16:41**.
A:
**12:57:52**
